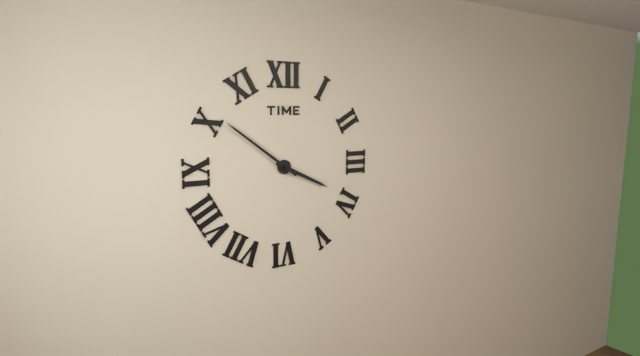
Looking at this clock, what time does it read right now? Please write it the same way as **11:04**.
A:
**3:51**
